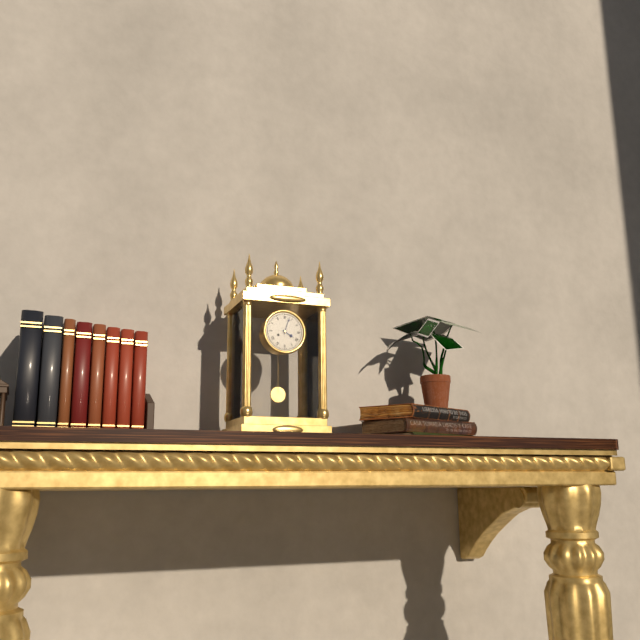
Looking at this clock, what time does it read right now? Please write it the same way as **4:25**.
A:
**4:03**
